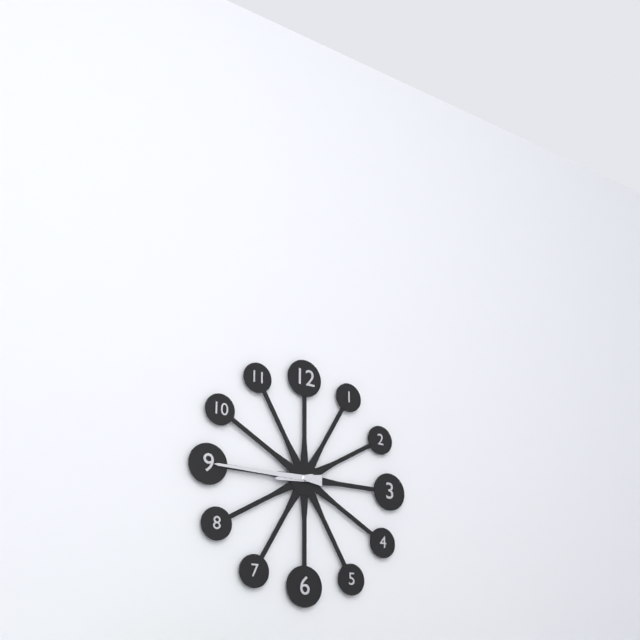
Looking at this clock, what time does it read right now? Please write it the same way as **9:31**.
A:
**8:45**
